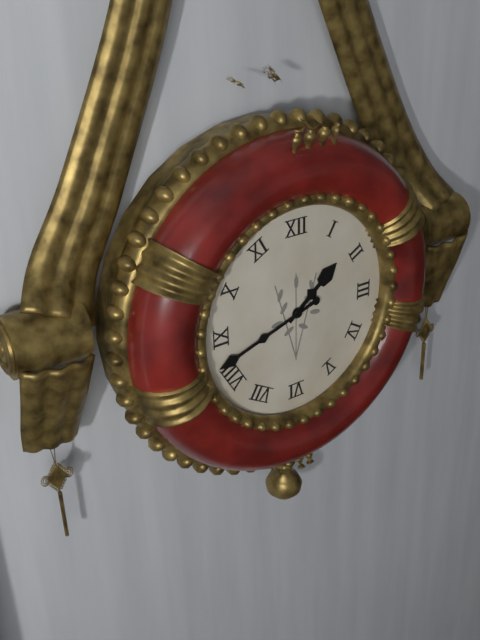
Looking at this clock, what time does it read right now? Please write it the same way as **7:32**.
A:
**1:42**
